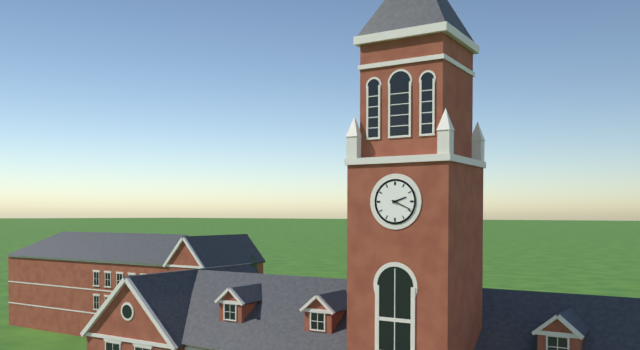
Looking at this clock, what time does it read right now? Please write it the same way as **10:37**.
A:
**2:19**
